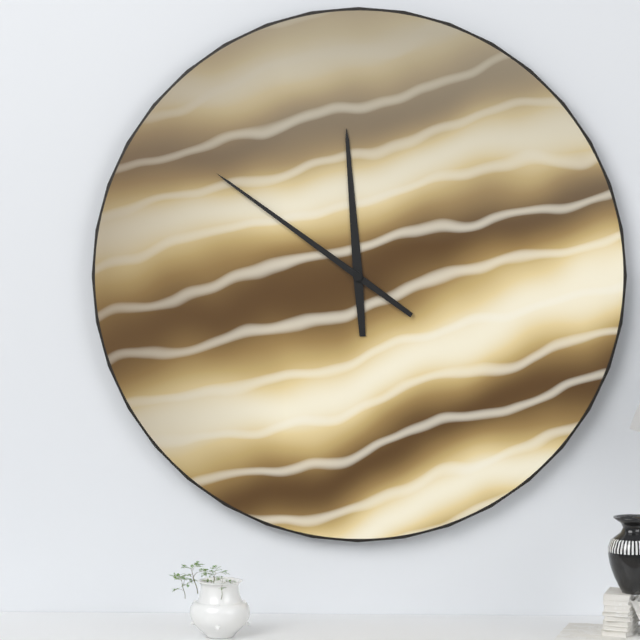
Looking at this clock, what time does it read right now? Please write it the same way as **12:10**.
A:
**11:51**
